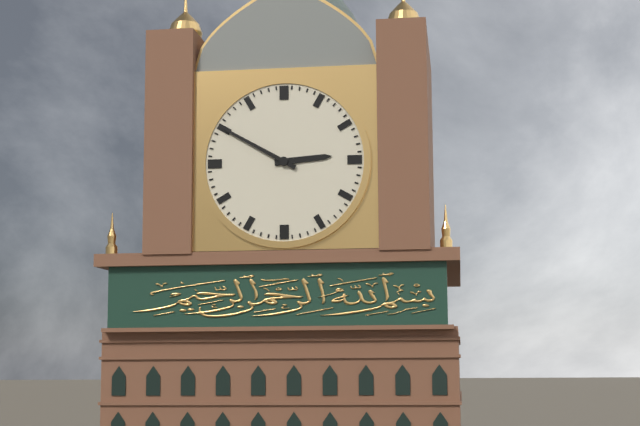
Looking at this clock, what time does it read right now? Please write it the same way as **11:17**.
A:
**2:50**
